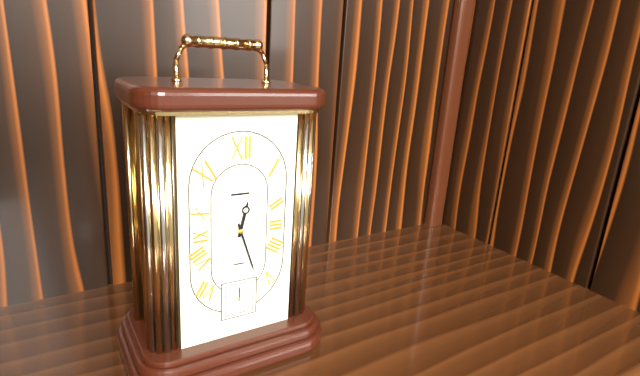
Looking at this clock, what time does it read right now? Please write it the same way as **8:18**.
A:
**12:27**
